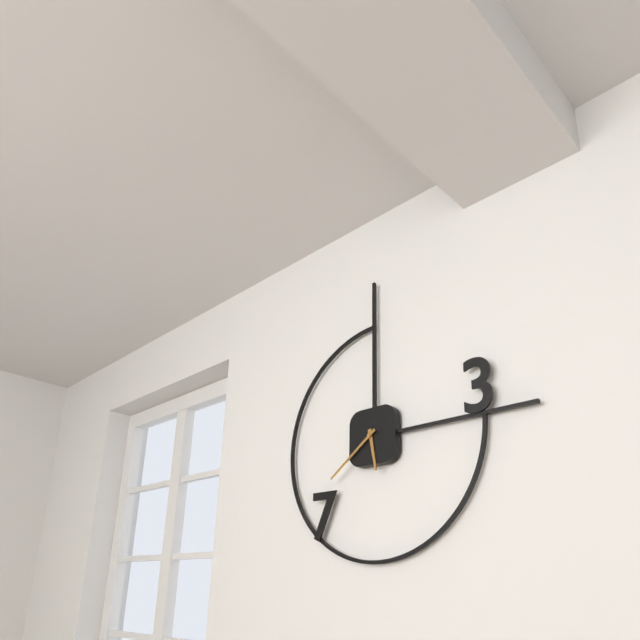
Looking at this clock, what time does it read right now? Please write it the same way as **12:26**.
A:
**5:39**
